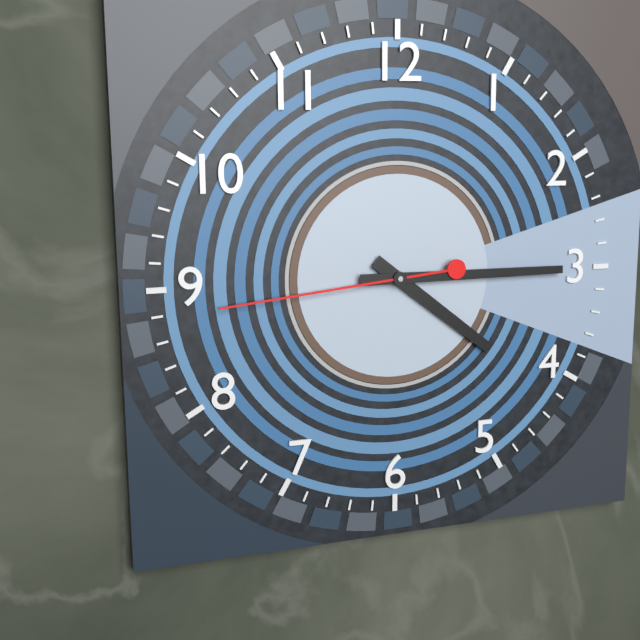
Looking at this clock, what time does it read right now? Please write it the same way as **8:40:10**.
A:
**4:15:44**
